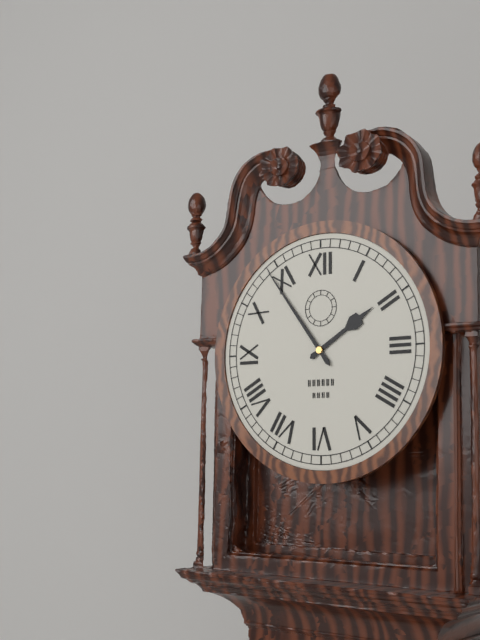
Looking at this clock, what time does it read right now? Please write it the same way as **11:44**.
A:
**1:54**
